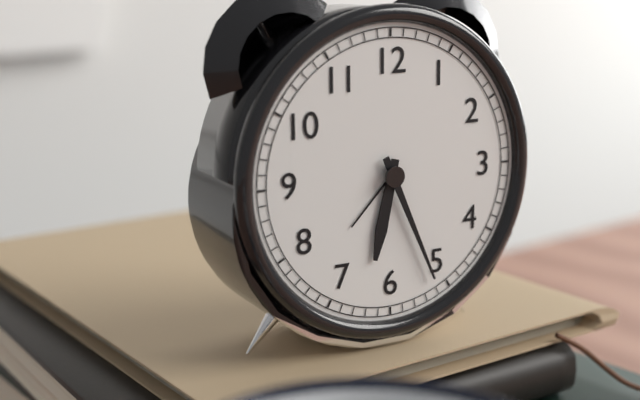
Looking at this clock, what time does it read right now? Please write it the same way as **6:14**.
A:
**6:26**
